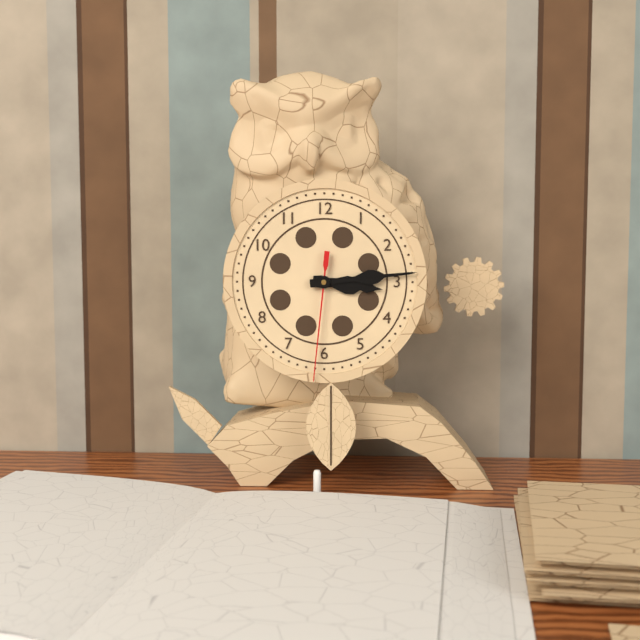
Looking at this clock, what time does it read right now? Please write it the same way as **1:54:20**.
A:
**3:14:31**
